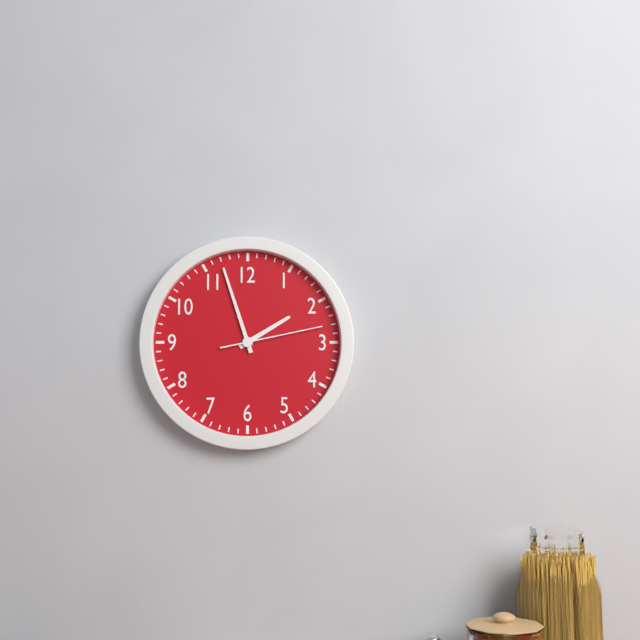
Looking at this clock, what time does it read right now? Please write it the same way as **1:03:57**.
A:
**1:57:13**
